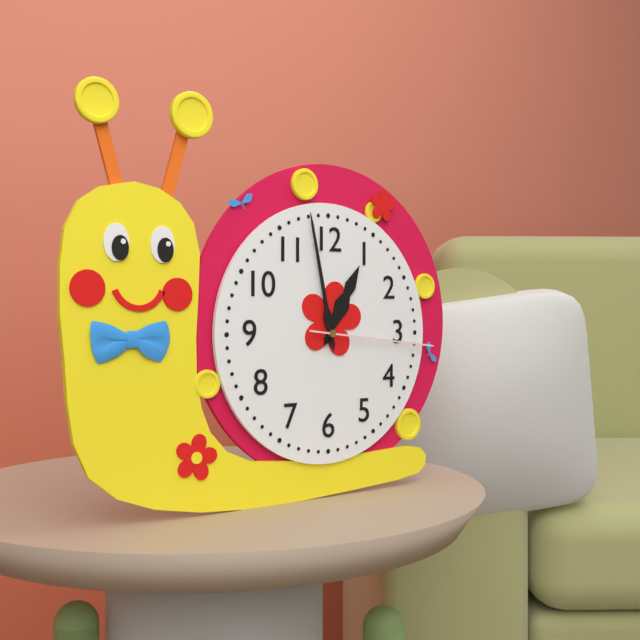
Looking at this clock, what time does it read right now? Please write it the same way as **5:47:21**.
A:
**12:58:16**
